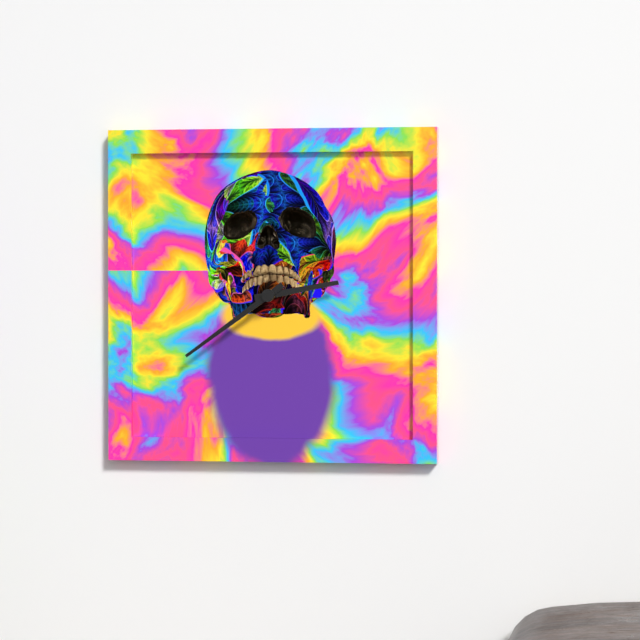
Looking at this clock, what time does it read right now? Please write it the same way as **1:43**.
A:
**2:39**
